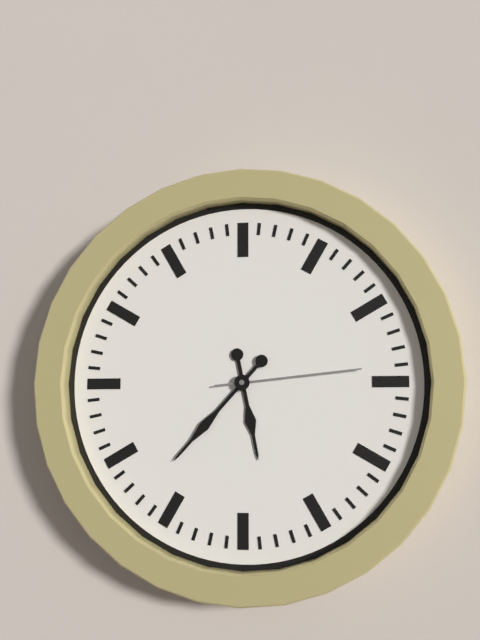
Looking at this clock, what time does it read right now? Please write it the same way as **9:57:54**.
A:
**5:37:14**
